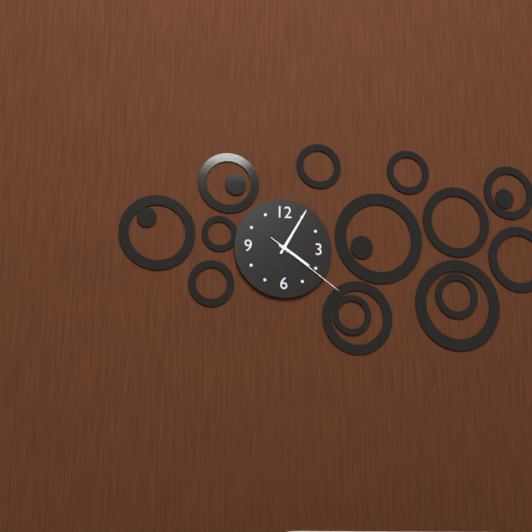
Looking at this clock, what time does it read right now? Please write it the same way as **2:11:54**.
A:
**4:05:21**
